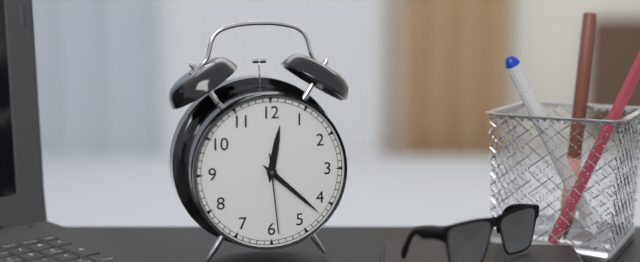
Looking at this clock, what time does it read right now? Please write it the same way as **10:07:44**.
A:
**12:22:29**
